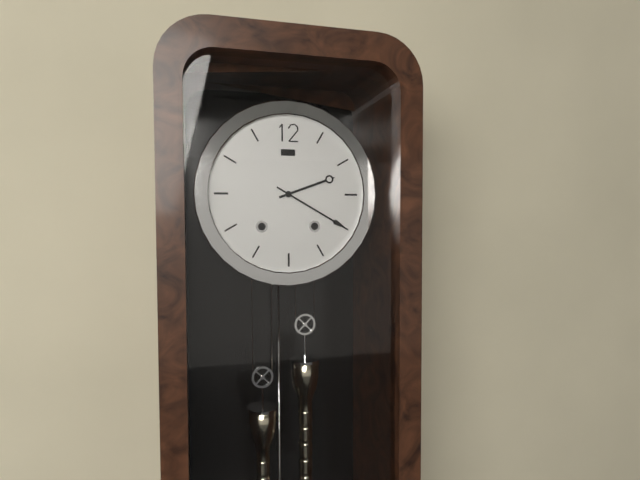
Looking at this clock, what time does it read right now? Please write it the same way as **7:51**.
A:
**2:20**
